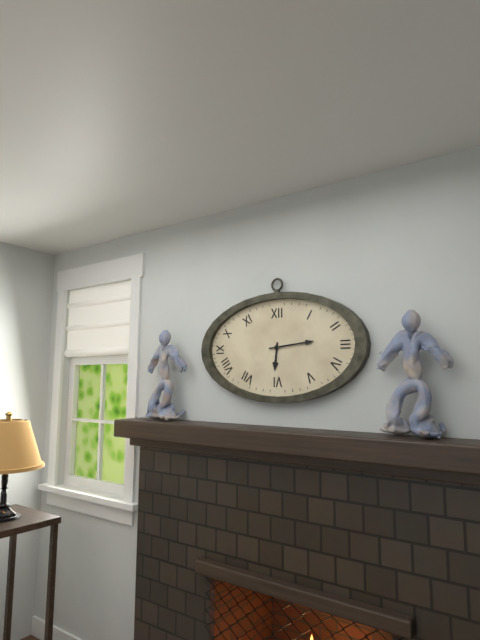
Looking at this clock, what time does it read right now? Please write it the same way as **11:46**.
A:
**6:14**
